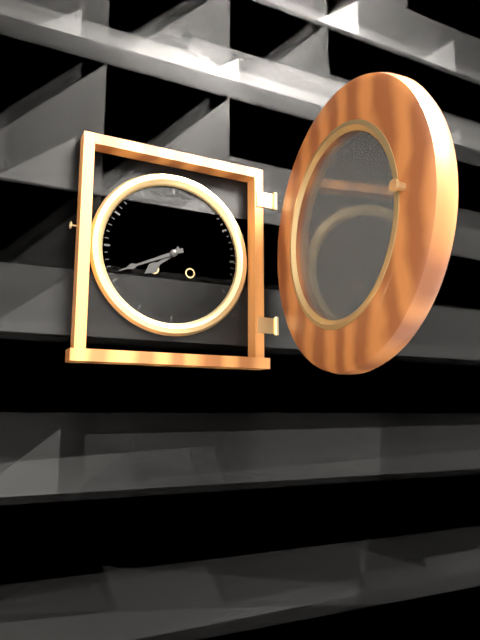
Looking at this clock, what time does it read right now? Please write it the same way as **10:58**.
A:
**7:41**
